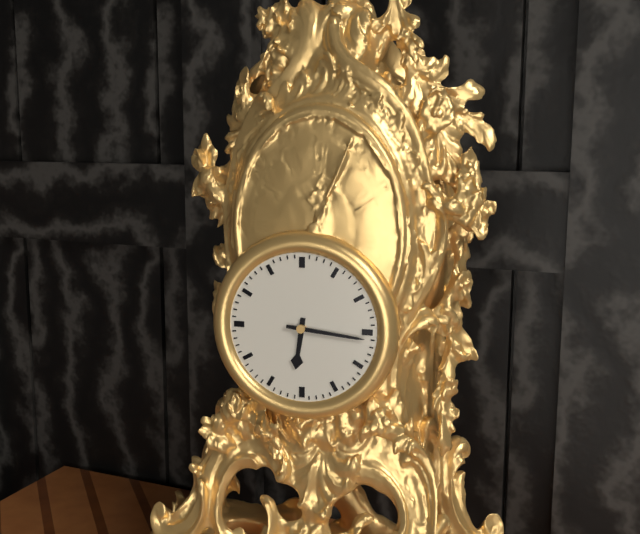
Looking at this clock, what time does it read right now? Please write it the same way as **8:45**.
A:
**6:16**
